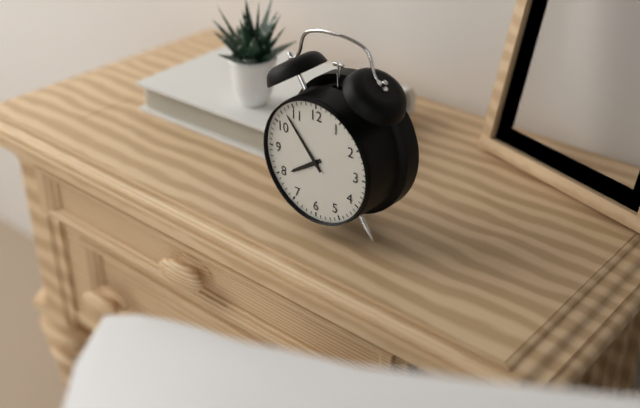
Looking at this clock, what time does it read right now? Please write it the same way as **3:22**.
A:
**7:53**
